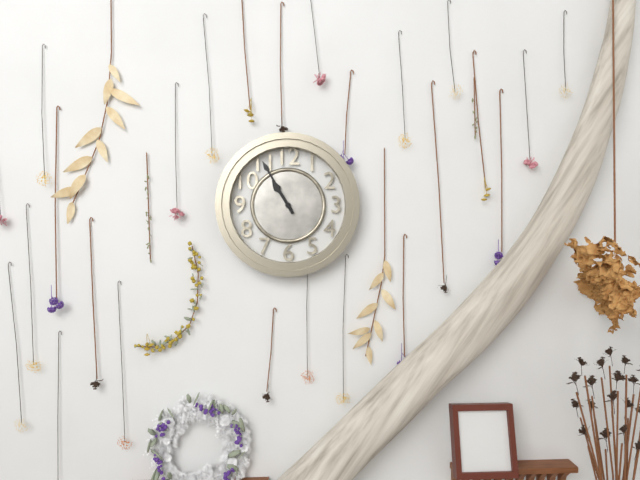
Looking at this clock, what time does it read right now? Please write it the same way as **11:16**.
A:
**10:55**
